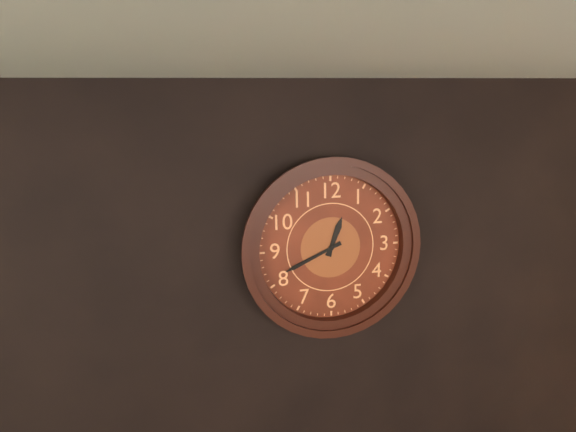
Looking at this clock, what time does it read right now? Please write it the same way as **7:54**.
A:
**12:41**
